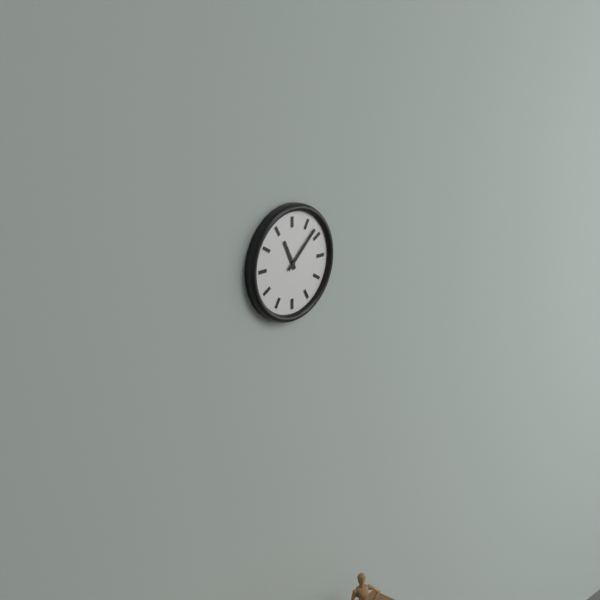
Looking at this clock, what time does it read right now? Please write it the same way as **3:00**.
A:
**11:08**
